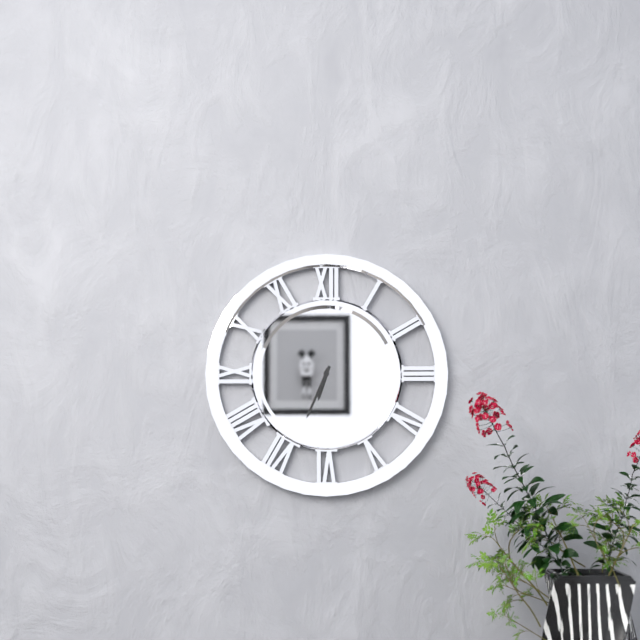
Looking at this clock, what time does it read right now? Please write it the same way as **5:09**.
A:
**6:34**
